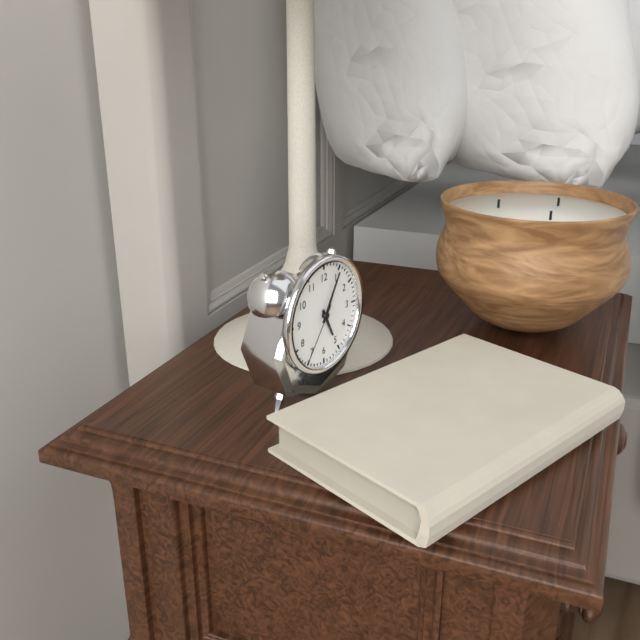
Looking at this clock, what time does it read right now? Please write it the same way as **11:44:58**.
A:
**5:05:36**
